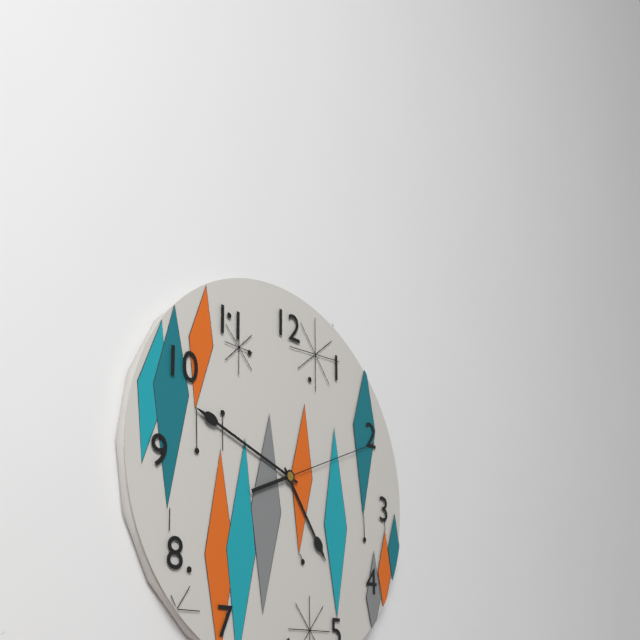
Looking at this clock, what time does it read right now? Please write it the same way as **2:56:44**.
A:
**4:48:11**
